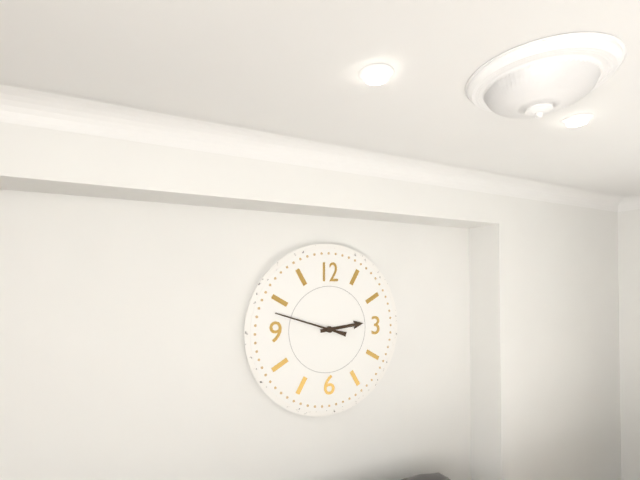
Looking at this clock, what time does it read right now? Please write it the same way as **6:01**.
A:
**2:48**
